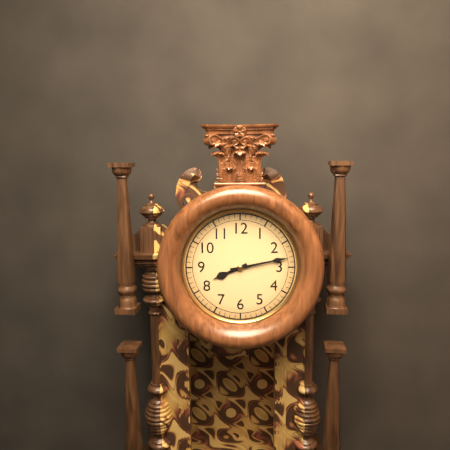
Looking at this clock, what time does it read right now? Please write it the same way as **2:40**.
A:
**8:13**
